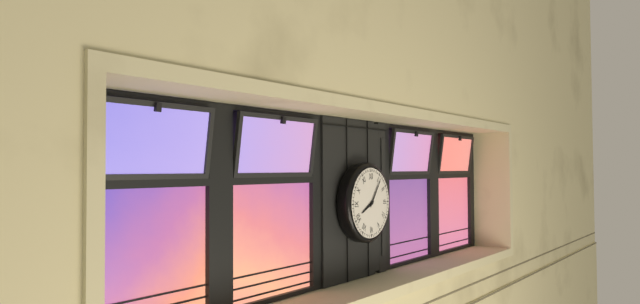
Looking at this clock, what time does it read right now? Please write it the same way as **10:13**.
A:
**8:06**
